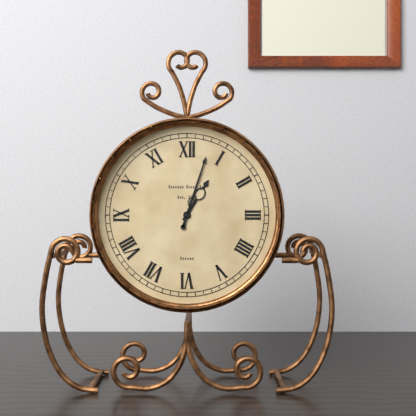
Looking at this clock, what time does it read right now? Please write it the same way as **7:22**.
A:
**1:03**
